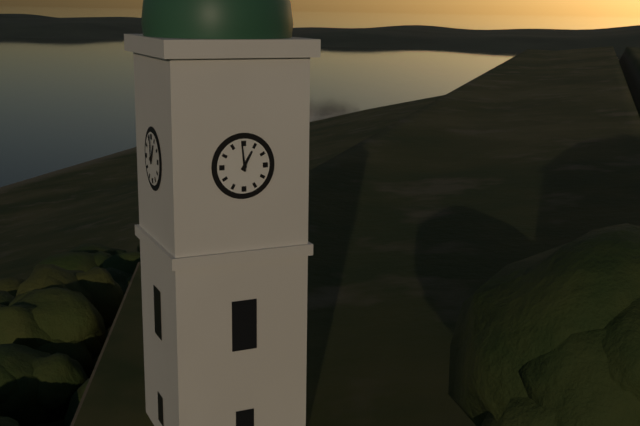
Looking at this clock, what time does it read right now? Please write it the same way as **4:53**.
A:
**12:59**
